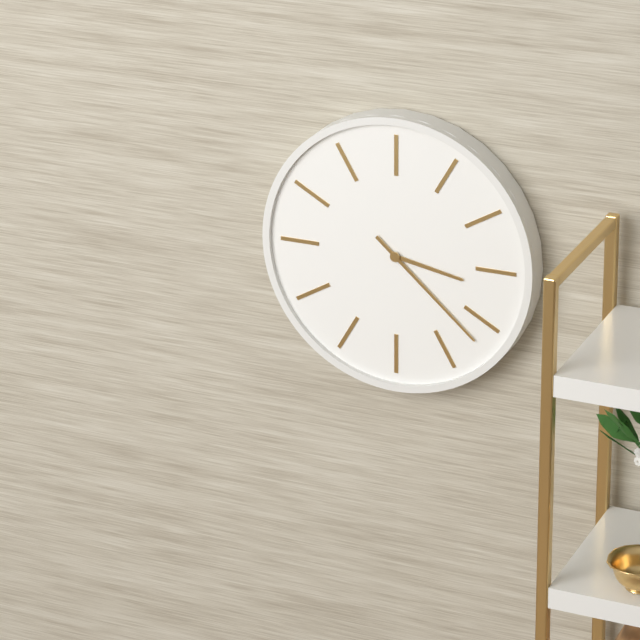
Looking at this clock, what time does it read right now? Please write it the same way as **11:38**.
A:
**3:22**
